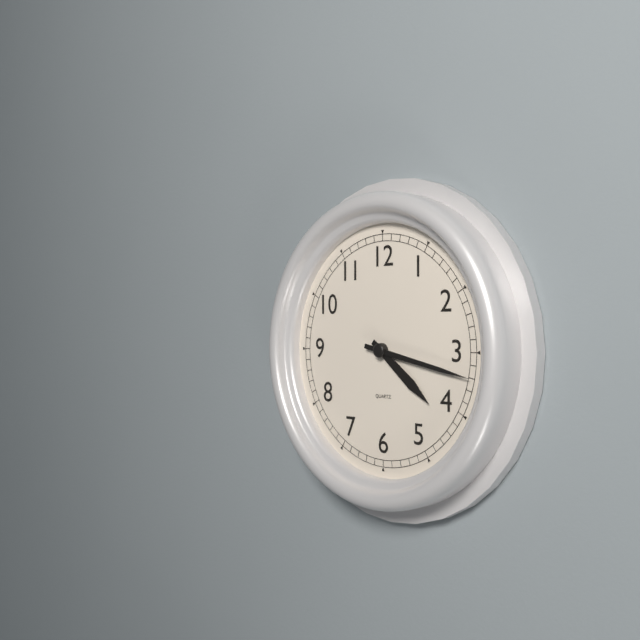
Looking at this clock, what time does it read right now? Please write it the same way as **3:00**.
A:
**4:17**
